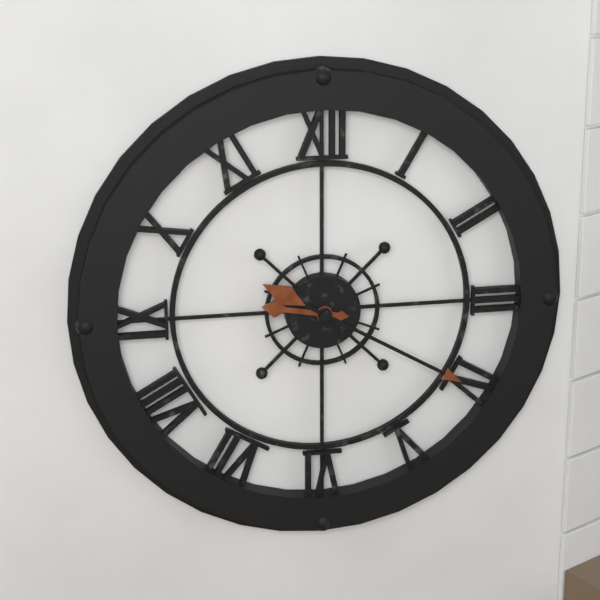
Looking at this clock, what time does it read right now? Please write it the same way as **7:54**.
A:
**9:20**
